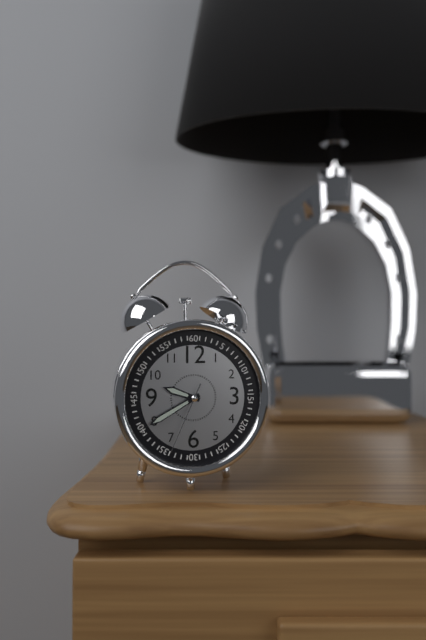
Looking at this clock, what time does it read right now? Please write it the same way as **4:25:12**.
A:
**9:40:34**
